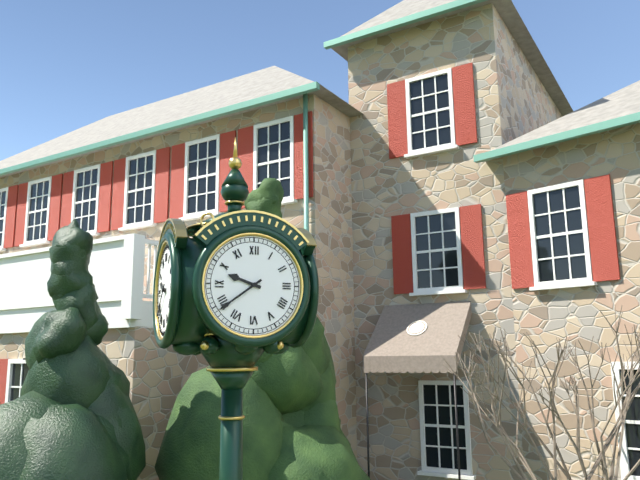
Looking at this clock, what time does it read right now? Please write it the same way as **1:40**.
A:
**9:39**
